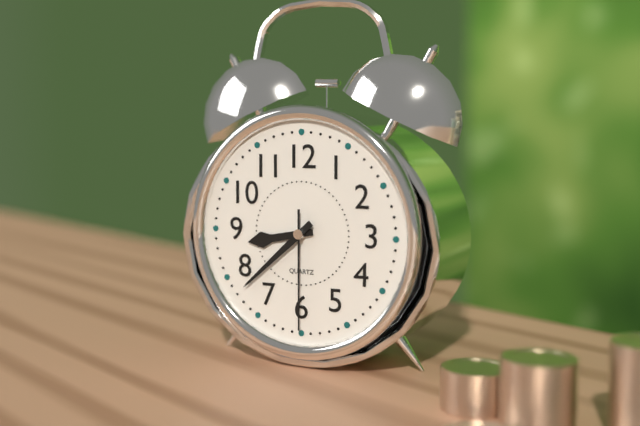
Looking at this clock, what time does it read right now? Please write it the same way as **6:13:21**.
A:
**8:38:30**
